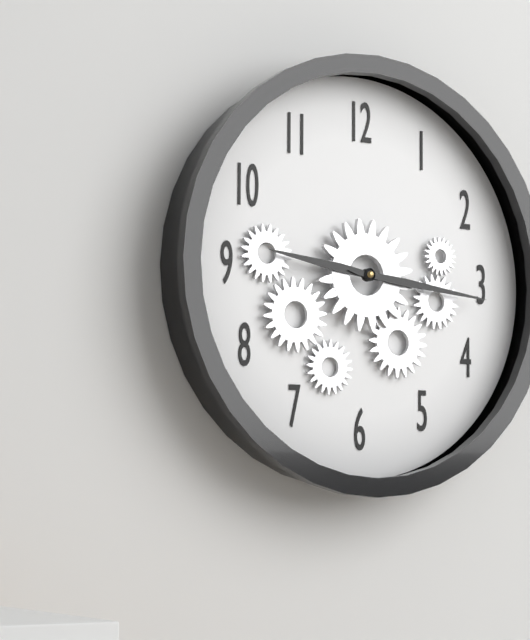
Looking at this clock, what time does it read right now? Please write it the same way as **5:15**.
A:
**9:16**
